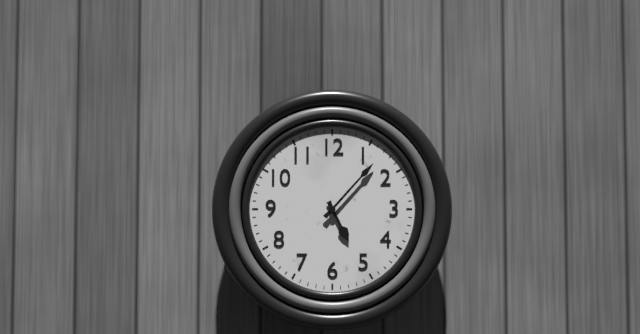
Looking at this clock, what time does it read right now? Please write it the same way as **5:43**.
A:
**5:07**
